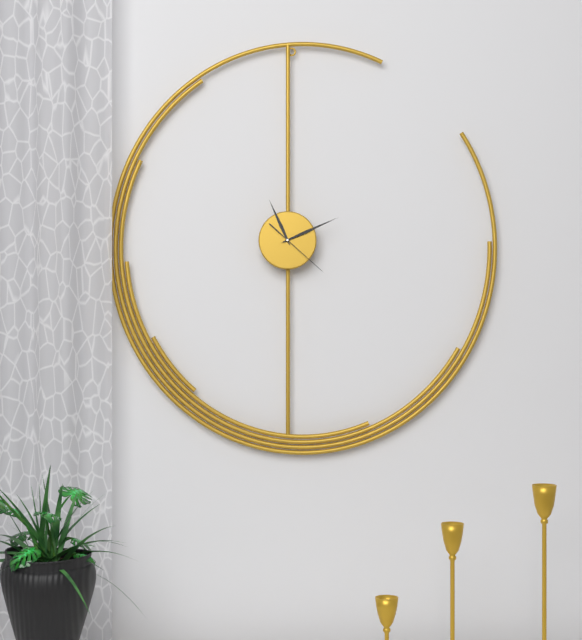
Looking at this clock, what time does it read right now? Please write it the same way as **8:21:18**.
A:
**11:11:22**
